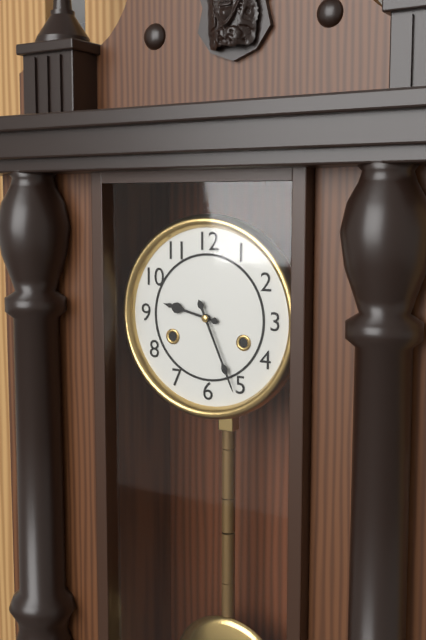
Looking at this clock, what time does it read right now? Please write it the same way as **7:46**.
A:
**9:26**
